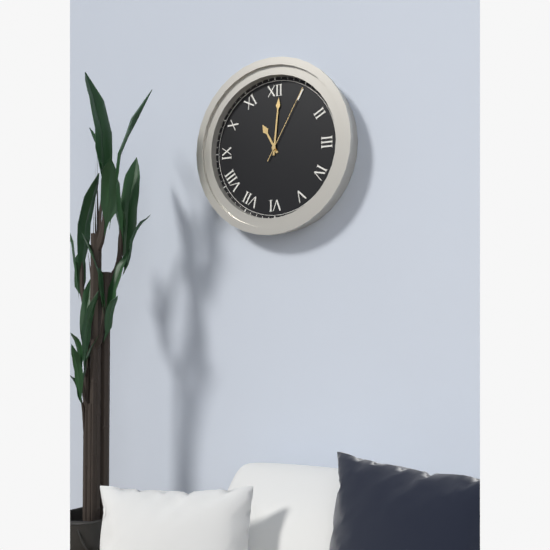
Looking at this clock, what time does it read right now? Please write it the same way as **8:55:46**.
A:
**11:01:05**
